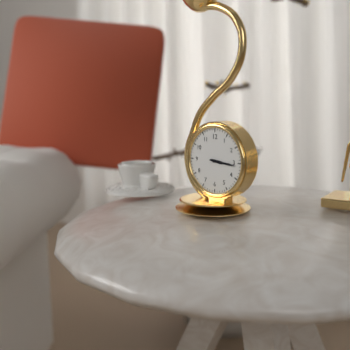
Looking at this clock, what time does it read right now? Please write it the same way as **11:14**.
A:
**3:16**
